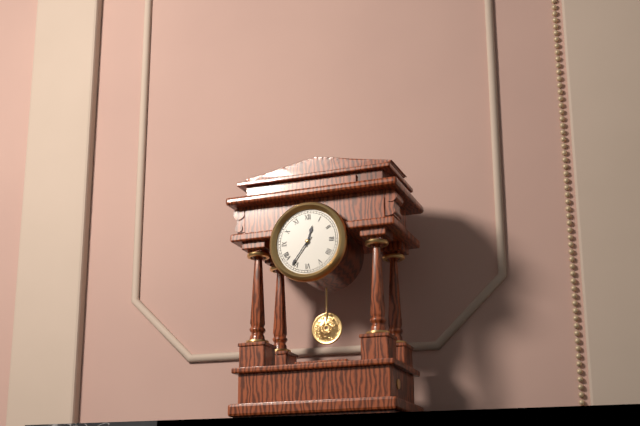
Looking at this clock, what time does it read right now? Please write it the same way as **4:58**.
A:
**12:36**
